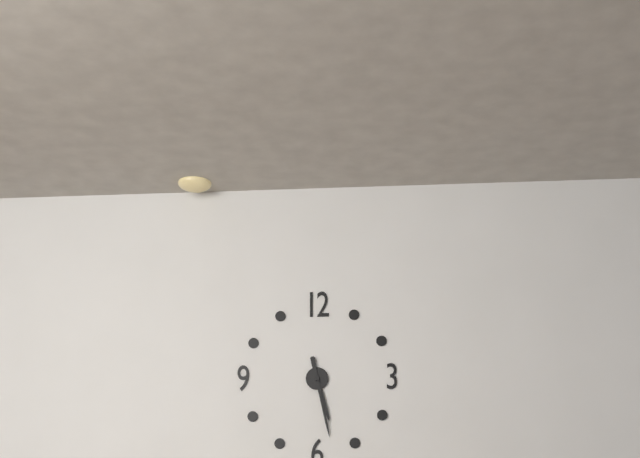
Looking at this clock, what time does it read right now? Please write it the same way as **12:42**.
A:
**5:28**
